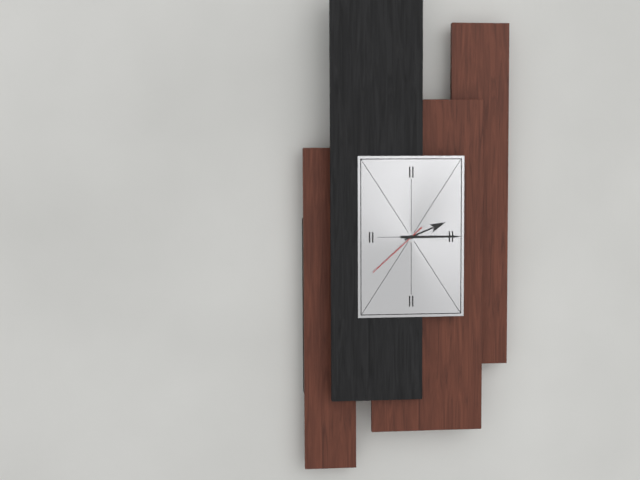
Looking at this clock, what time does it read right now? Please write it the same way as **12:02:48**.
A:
**2:15:38**
